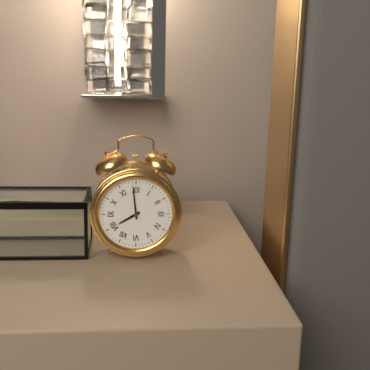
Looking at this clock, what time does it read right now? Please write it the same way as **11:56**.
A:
**7:59**
